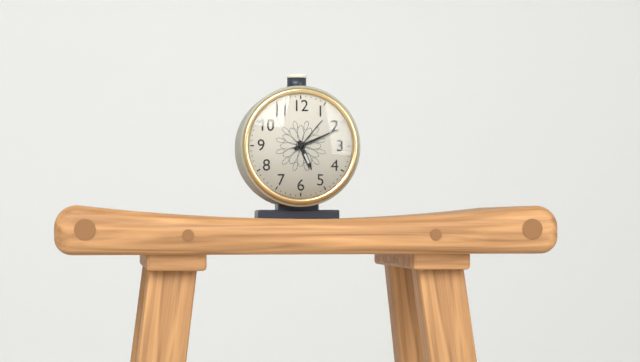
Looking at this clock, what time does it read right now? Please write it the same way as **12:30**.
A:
**5:11**
